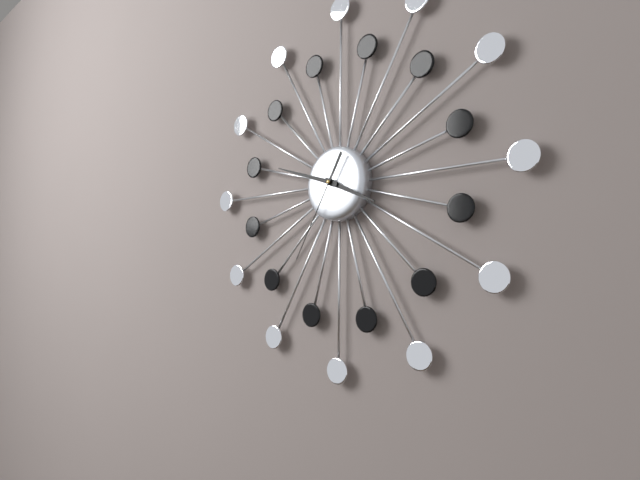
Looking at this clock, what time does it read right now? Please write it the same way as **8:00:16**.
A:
**3:48:35**
